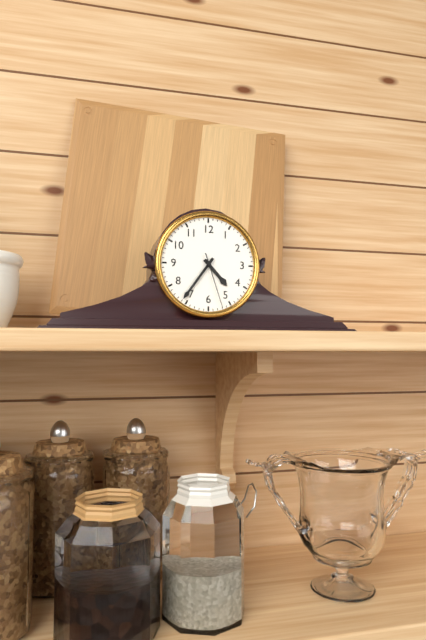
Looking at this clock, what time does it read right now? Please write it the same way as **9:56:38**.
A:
**4:36:27**
